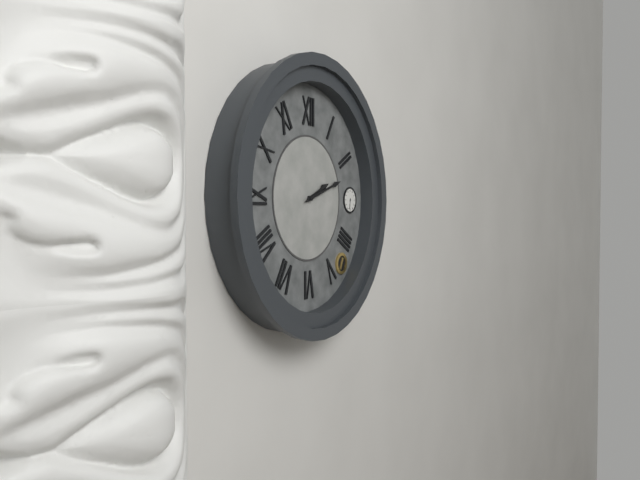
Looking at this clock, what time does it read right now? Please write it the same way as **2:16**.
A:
**2:12**
